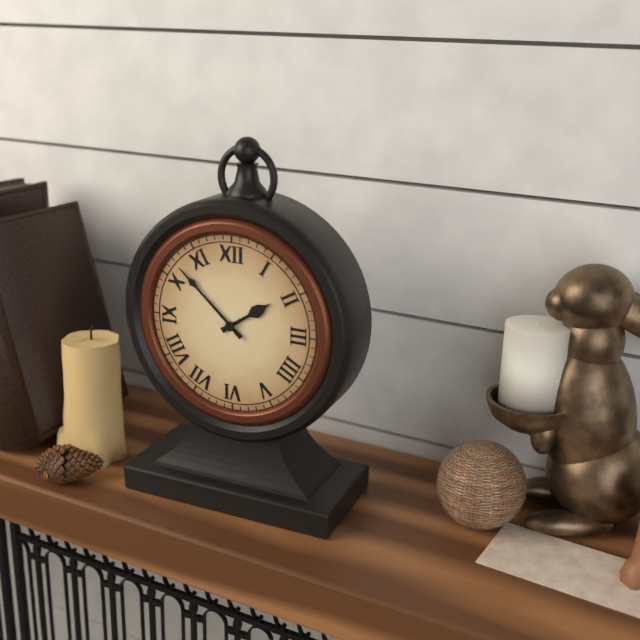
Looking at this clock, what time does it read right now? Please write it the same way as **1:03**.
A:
**1:52**
